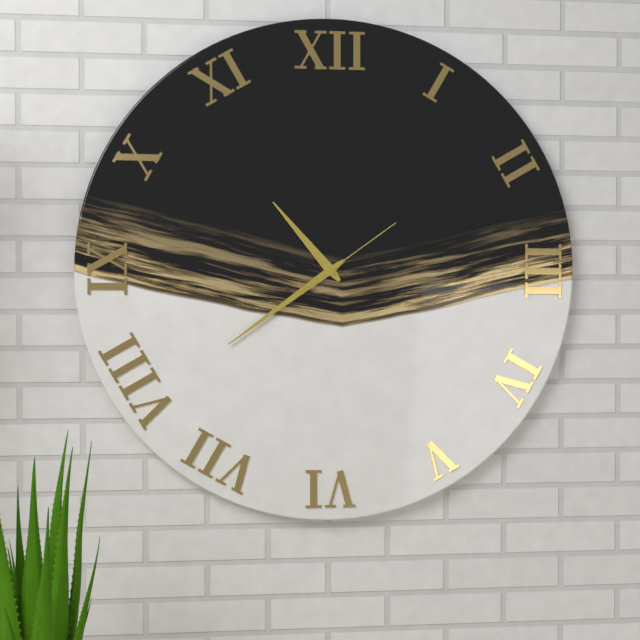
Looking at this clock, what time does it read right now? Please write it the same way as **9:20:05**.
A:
**10:39:09**
